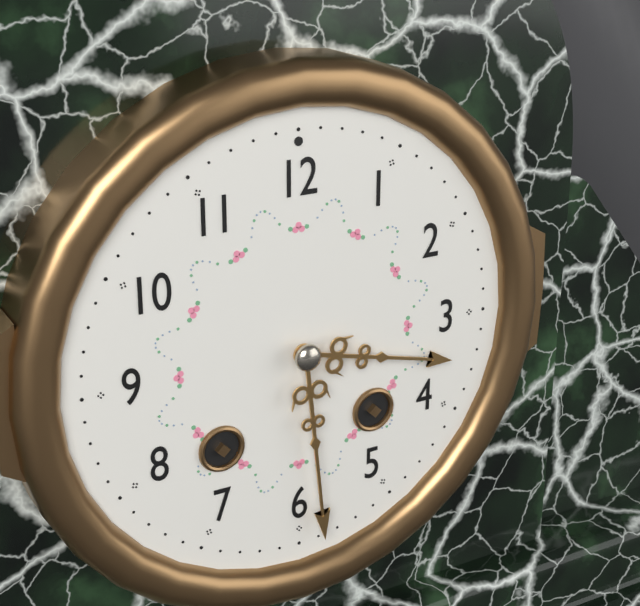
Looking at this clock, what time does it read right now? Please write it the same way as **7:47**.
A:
**3:29**
